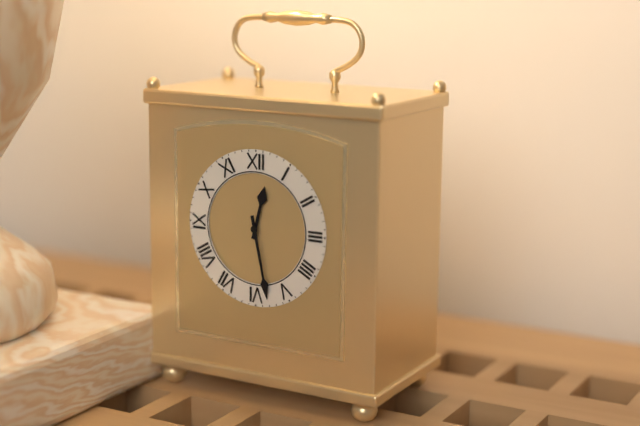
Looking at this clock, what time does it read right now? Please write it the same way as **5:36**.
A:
**12:28**
